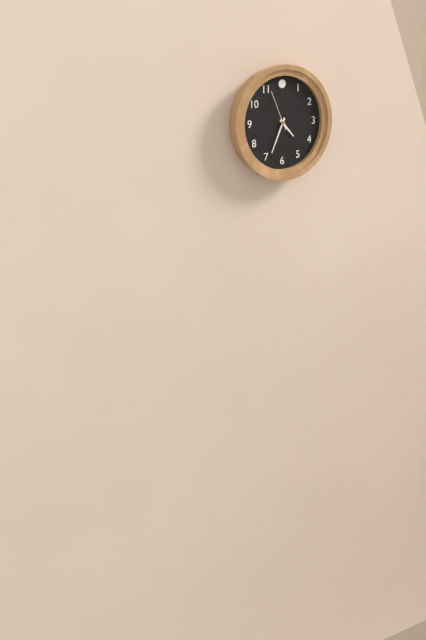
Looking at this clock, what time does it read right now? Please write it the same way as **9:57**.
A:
**4:34**
